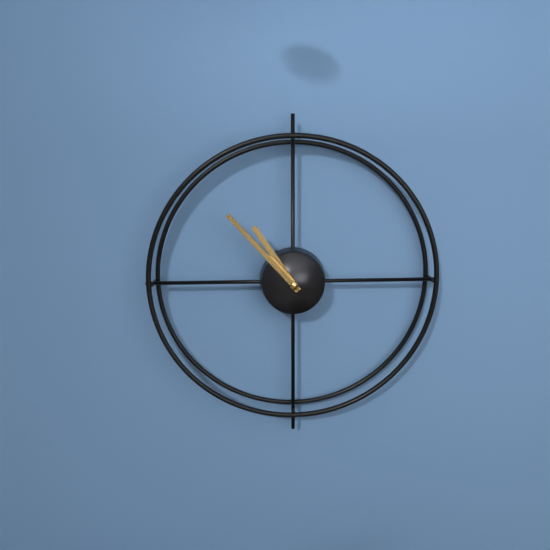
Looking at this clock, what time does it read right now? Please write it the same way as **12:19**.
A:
**10:53**
